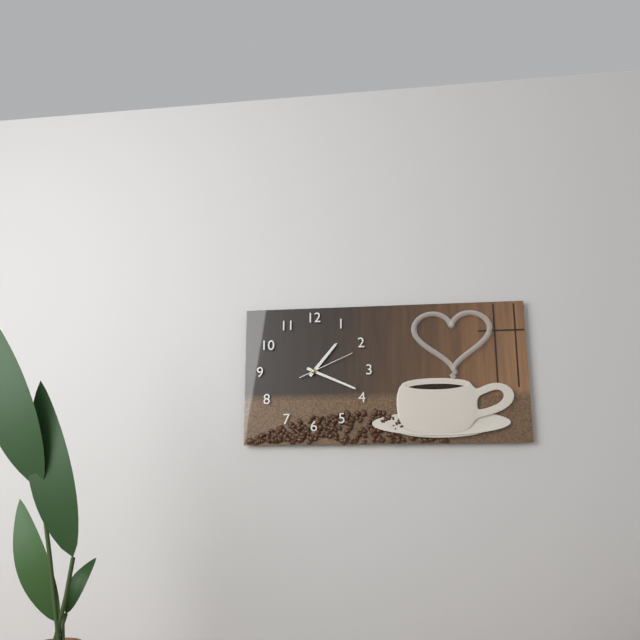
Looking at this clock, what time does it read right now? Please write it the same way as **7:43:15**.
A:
**1:19:11**
